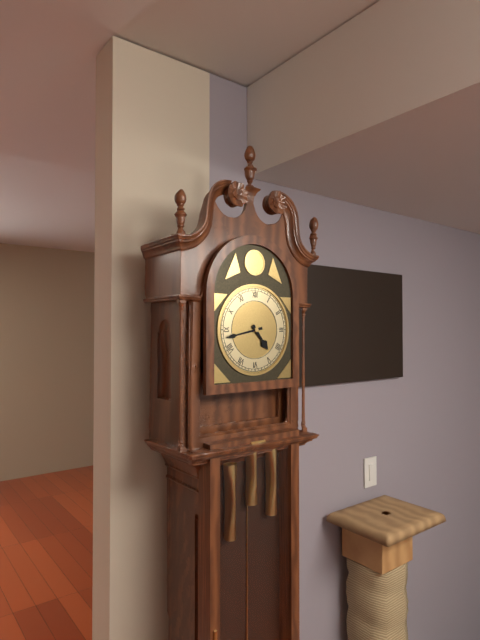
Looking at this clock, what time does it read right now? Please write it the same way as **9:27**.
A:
**4:43**
